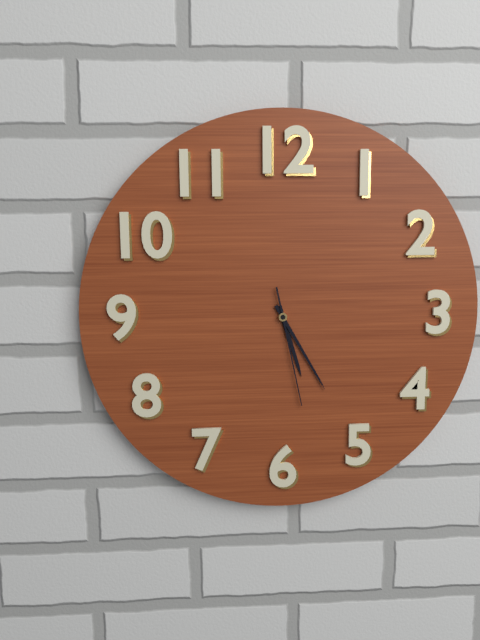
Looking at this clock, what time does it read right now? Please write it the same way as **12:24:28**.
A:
**5:25:28**
